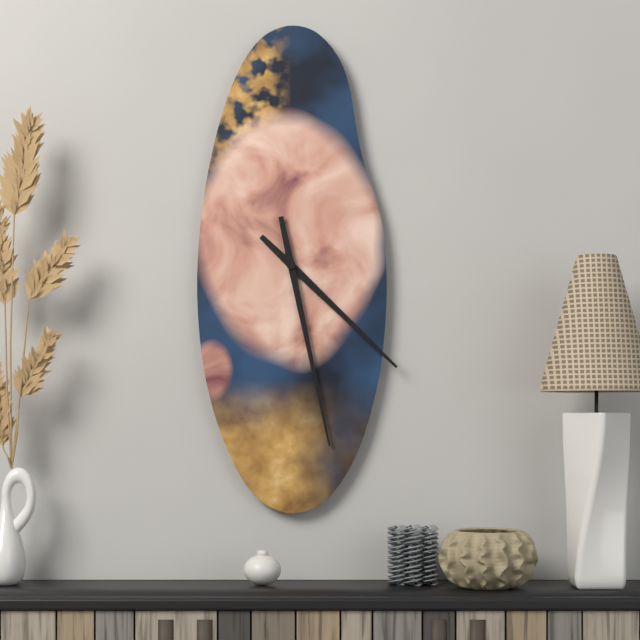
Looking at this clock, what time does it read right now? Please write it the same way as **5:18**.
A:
**4:28**
